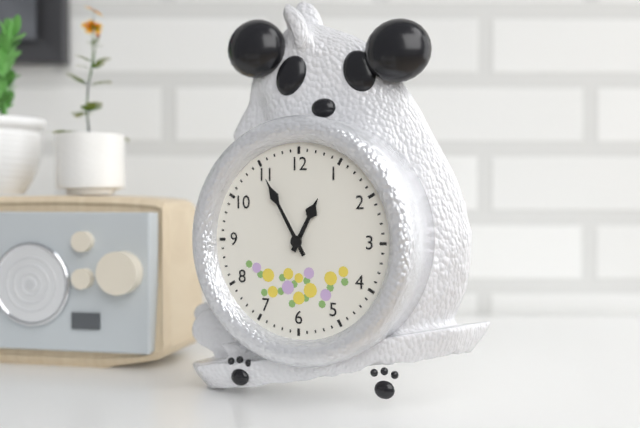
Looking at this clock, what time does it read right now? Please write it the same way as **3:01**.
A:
**12:55**
